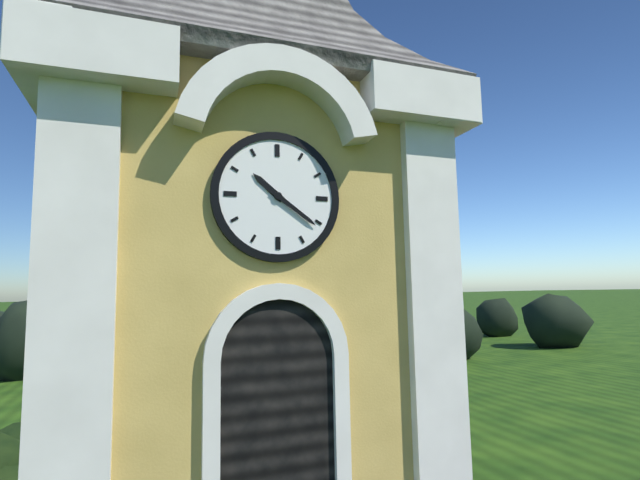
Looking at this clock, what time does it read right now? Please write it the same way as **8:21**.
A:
**10:21**
